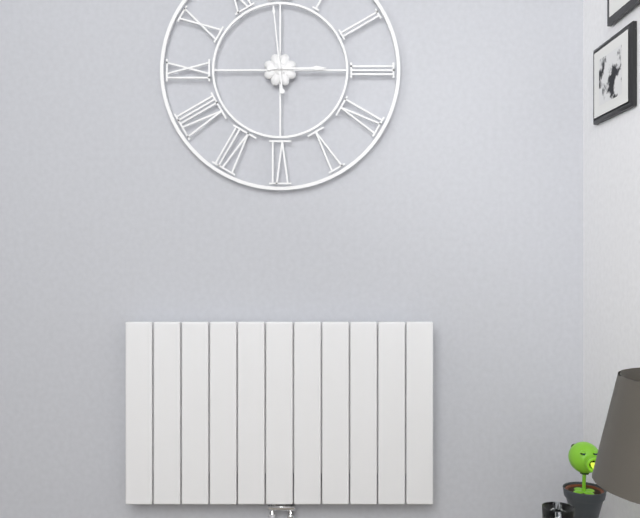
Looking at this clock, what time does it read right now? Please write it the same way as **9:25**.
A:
**2:59**
